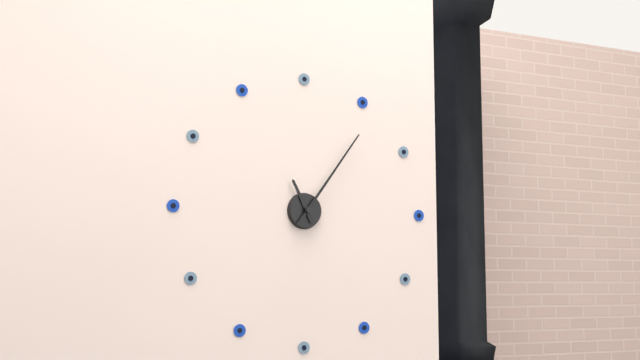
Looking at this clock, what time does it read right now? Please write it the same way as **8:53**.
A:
**11:06**
